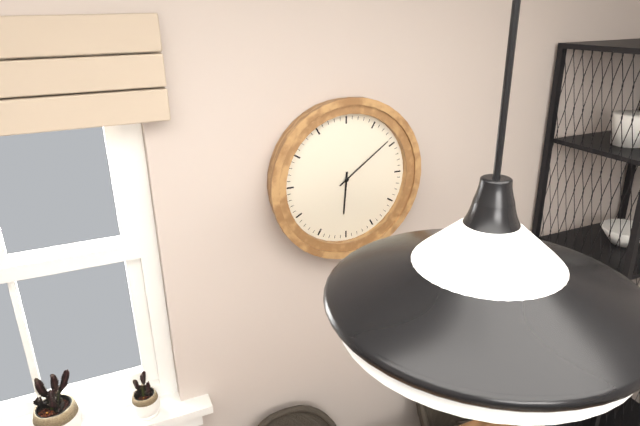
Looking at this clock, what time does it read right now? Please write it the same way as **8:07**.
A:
**6:09**
